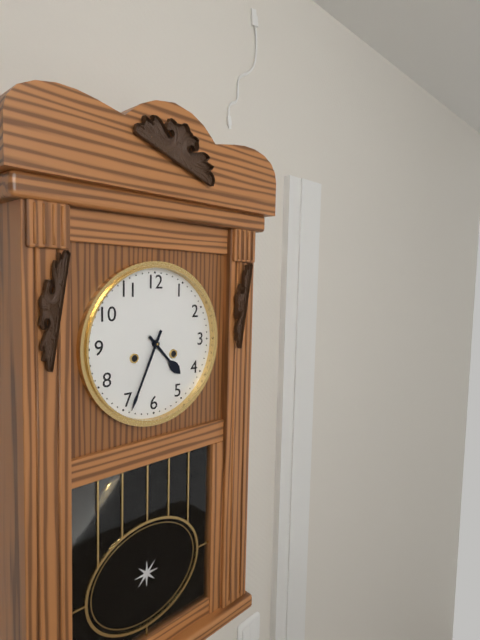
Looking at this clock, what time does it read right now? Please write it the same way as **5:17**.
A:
**4:34**
